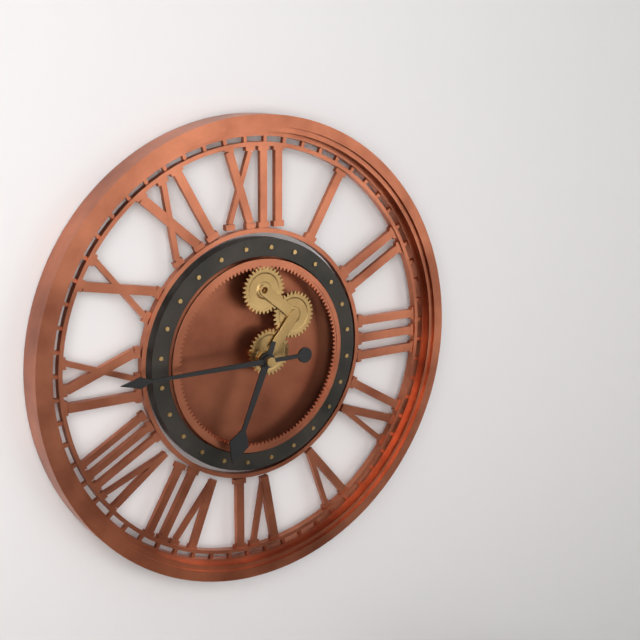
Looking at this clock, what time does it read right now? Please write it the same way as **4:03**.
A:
**6:45**
